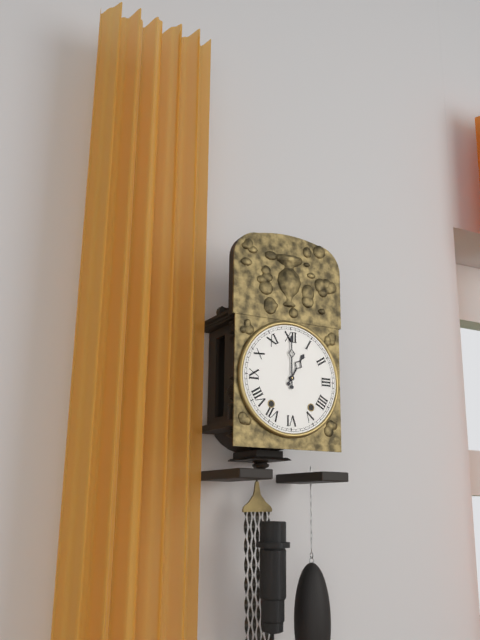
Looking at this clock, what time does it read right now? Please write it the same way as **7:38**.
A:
**1:00**
